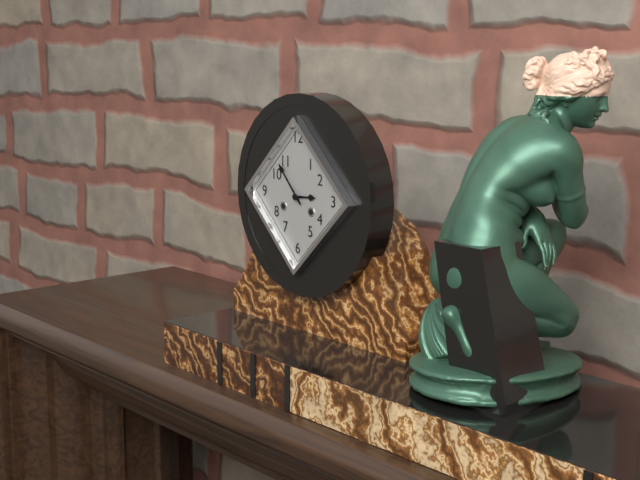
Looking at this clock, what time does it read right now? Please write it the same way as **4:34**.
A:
**2:53**
